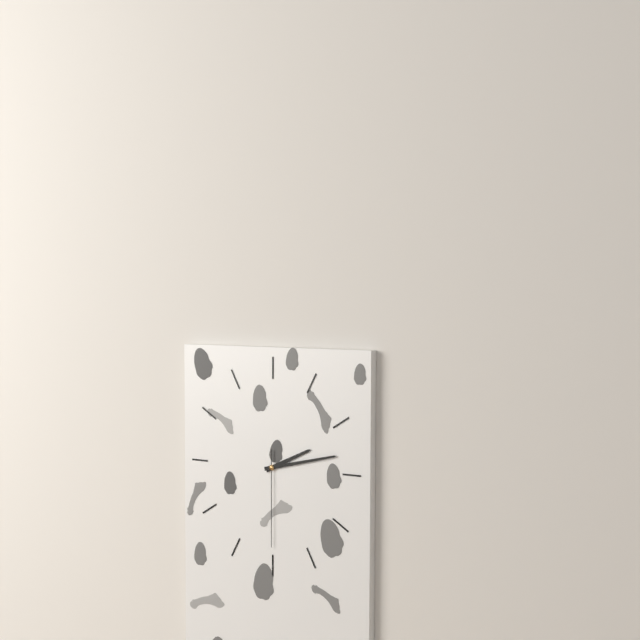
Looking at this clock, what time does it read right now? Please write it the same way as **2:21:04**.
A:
**2:13:30**
